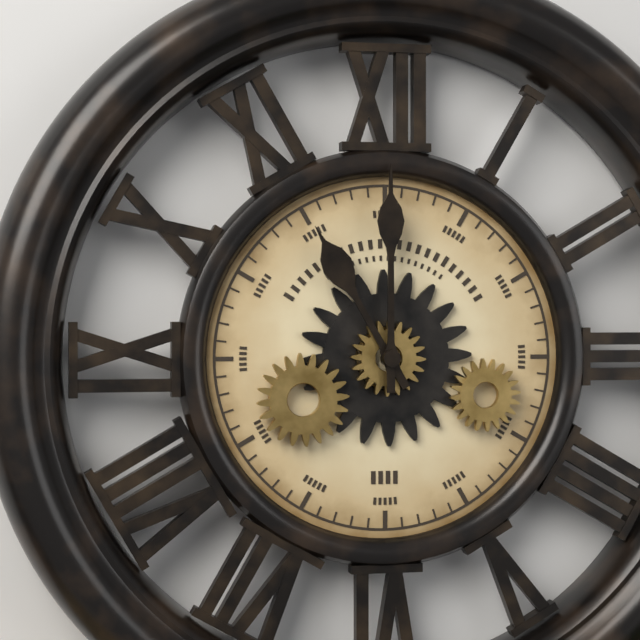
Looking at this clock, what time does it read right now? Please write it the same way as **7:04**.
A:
**11:00**
